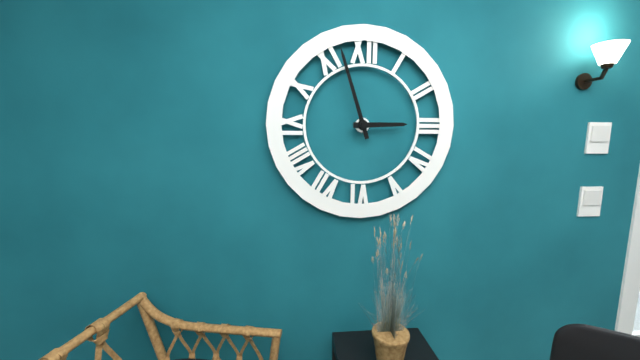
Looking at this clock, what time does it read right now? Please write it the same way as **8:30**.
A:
**2:57**
